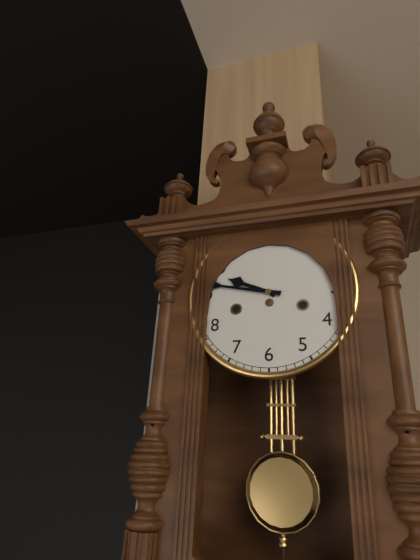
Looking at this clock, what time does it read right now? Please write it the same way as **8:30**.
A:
**9:47**
